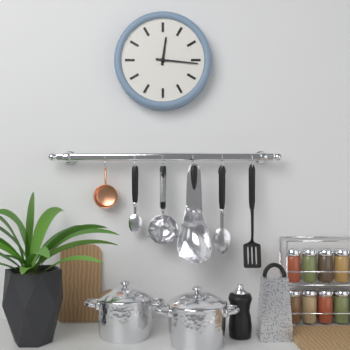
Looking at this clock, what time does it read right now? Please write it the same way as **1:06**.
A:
**12:16**
